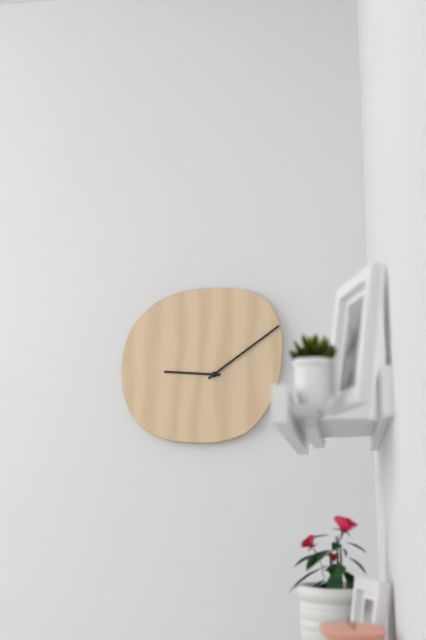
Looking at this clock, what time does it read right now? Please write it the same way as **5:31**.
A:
**9:09**
